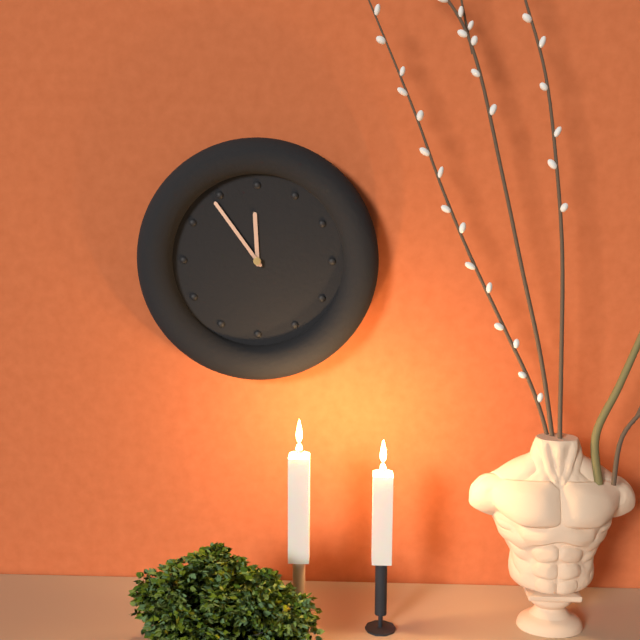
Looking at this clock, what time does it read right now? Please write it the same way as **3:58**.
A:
**11:54**
